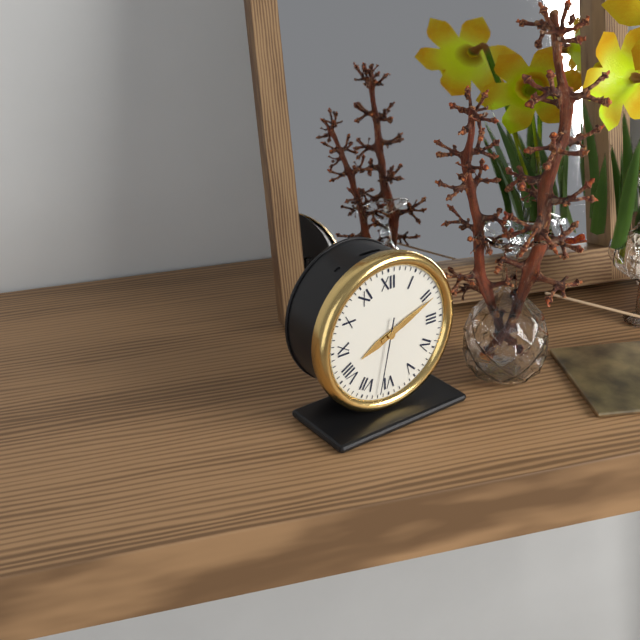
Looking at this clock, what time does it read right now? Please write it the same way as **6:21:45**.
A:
**8:11:32**
